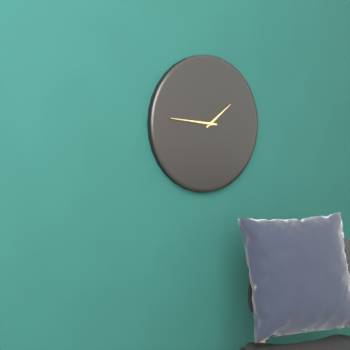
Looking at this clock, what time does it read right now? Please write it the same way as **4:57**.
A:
**1:46**
